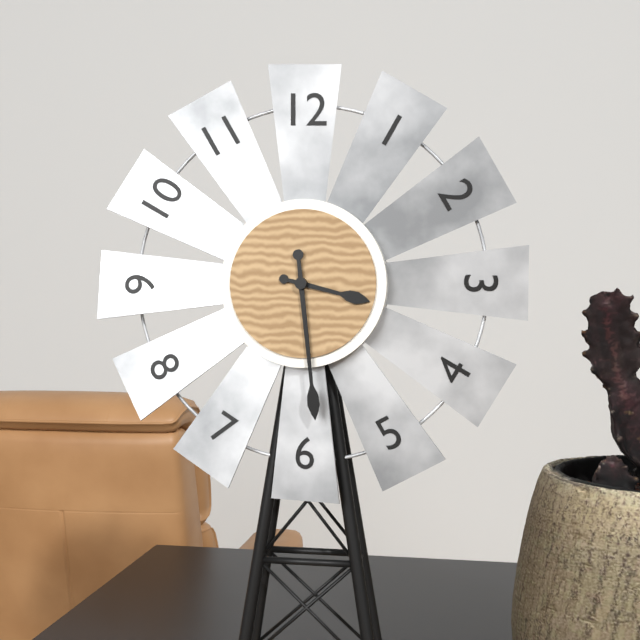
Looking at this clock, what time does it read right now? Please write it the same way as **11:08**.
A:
**3:29**
